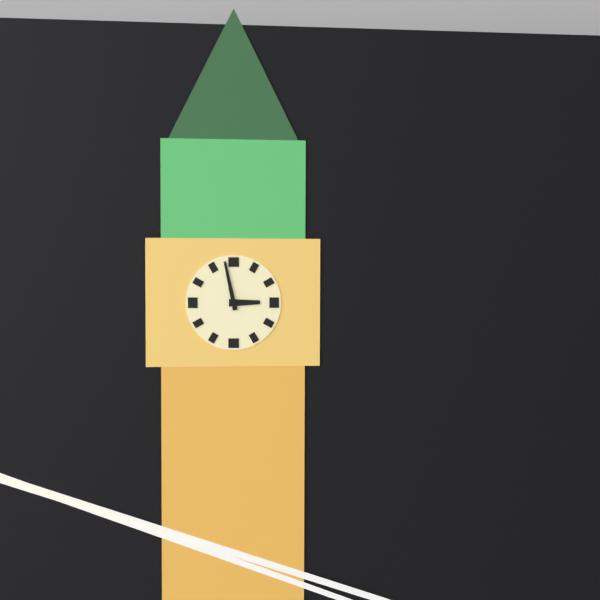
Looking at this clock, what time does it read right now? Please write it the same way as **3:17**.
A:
**2:58**
